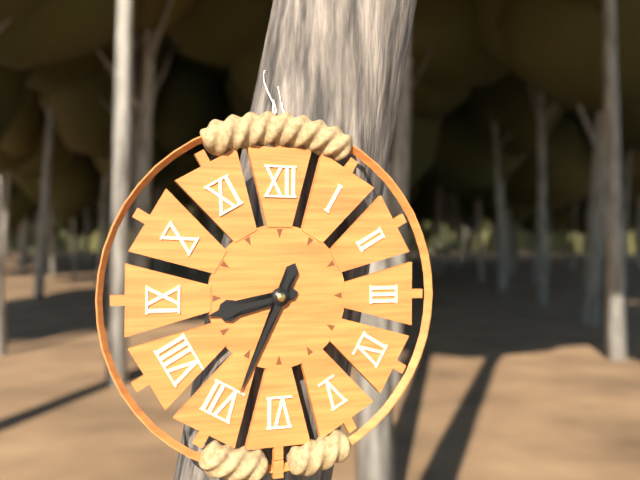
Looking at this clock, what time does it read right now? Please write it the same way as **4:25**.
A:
**8:34**
